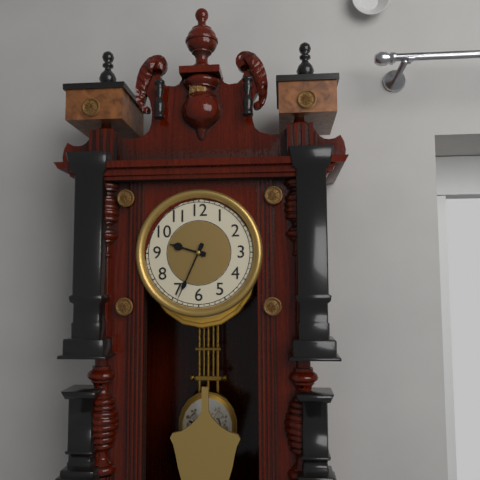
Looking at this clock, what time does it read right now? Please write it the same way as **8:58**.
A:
**9:34**
